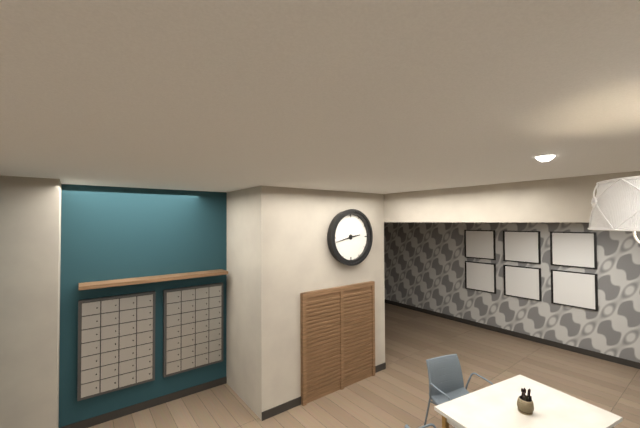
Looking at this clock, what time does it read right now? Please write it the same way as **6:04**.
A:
**2:43**
